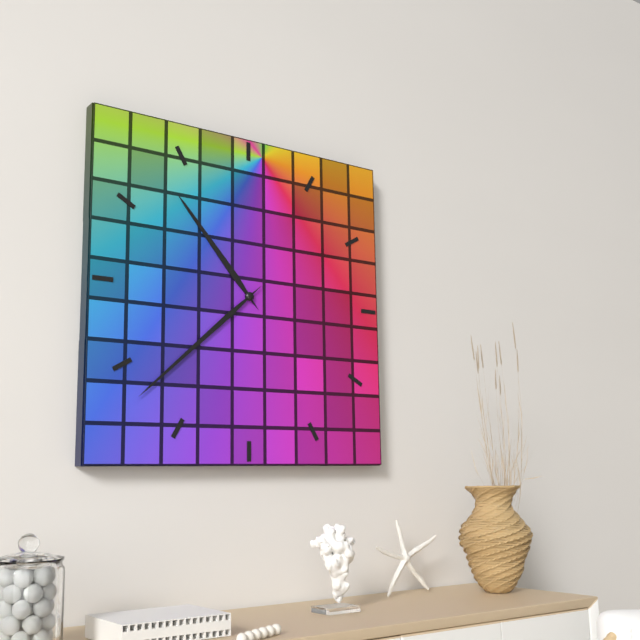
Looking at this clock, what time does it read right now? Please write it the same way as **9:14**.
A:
**10:38**
